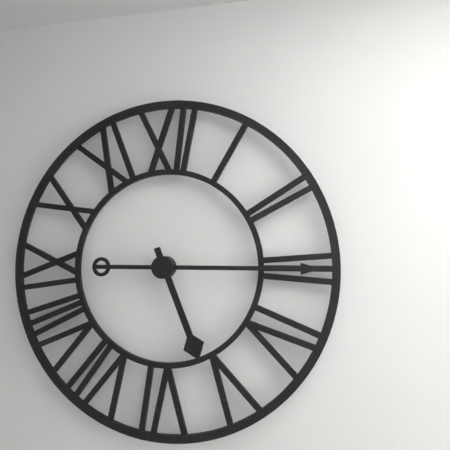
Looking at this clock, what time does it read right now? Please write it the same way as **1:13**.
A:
**5:15**
